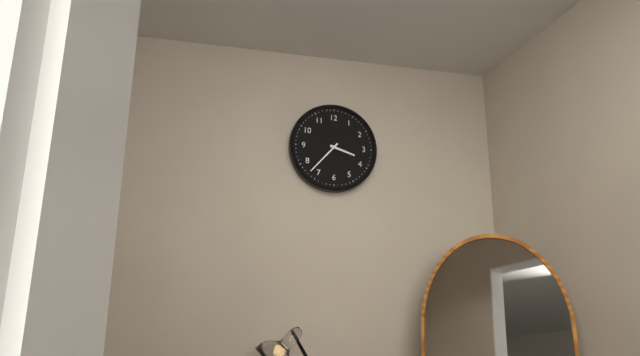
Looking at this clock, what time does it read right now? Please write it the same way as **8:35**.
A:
**3:37**
